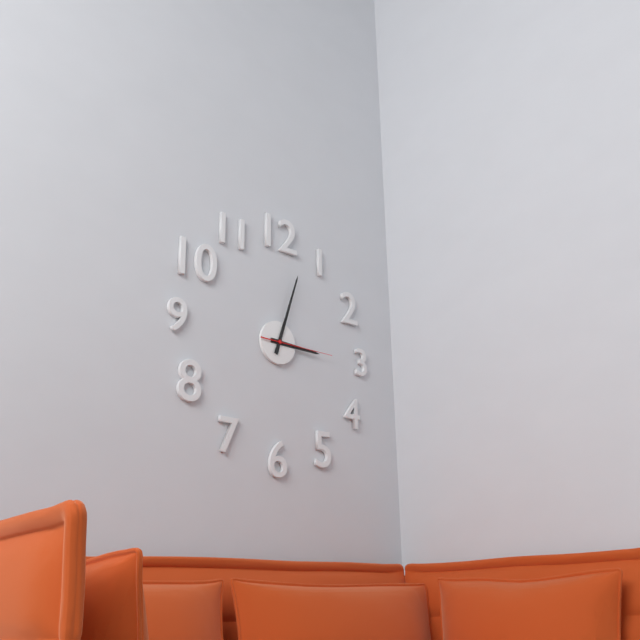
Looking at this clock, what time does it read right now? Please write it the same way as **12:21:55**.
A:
**3:03:15**
